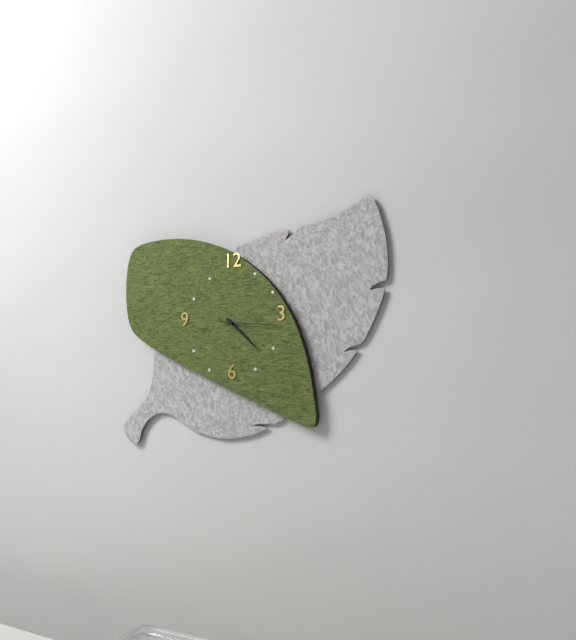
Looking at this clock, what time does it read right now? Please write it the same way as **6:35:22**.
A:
**4:22:16**
